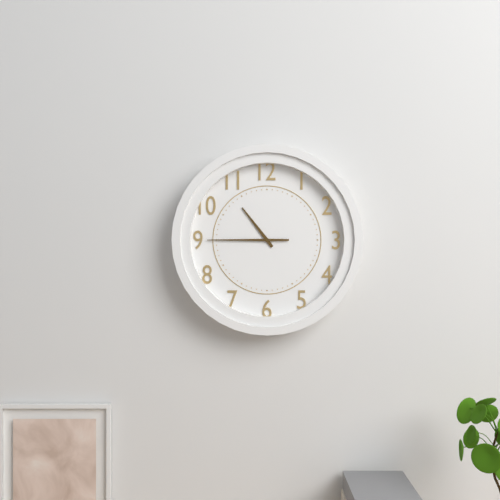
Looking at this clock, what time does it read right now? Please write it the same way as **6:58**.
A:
**10:45**
